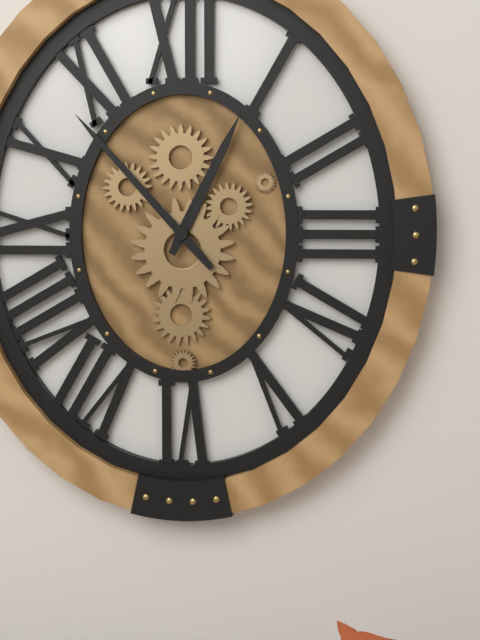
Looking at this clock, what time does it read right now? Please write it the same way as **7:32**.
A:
**12:53**
